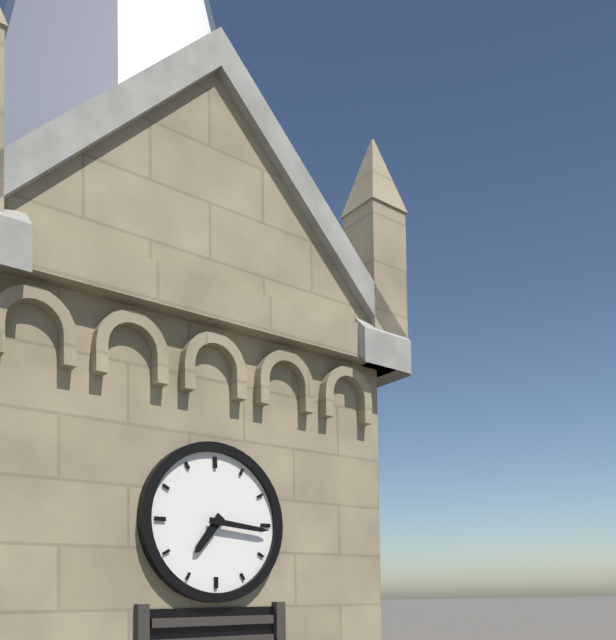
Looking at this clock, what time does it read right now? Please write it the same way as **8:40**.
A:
**7:16**
